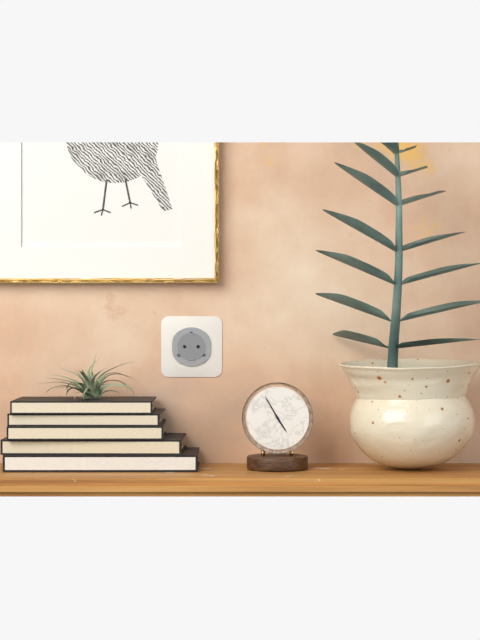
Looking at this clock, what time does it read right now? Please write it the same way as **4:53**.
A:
**4:55**
